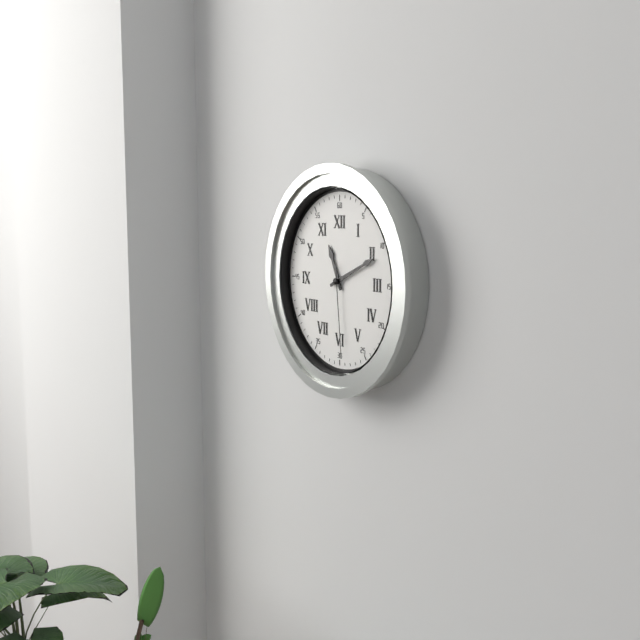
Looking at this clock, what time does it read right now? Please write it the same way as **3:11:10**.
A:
**11:11:29**
